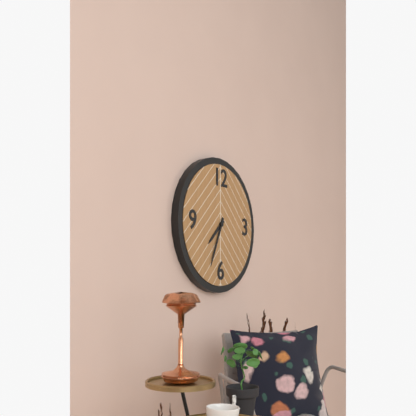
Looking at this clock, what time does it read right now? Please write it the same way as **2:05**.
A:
**7:34**
